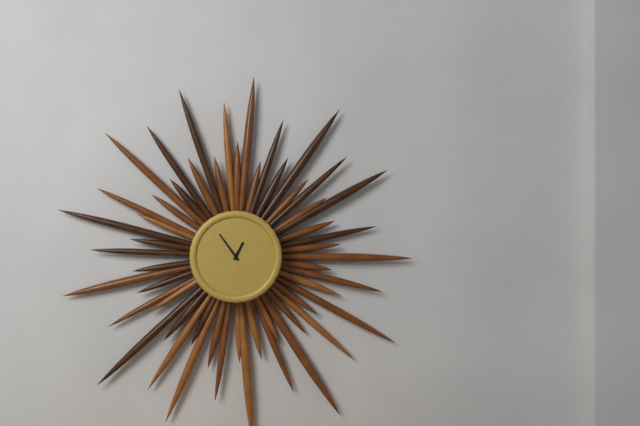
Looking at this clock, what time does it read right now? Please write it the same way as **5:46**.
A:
**12:54**
